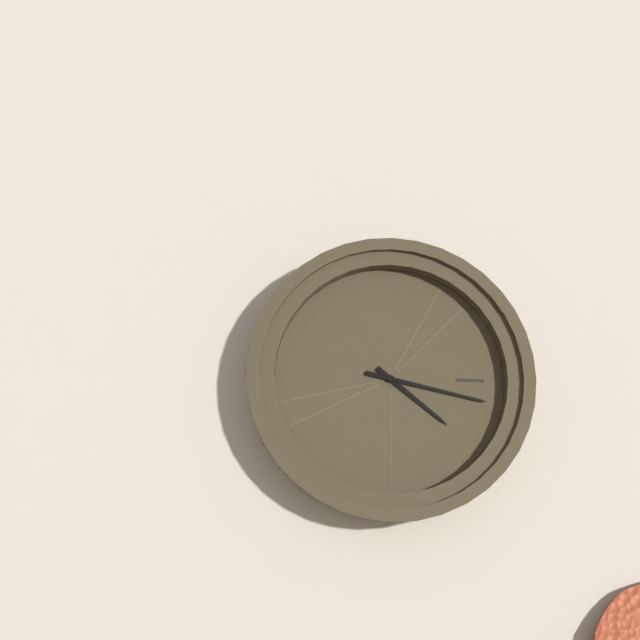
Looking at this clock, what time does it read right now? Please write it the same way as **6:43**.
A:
**4:17**
